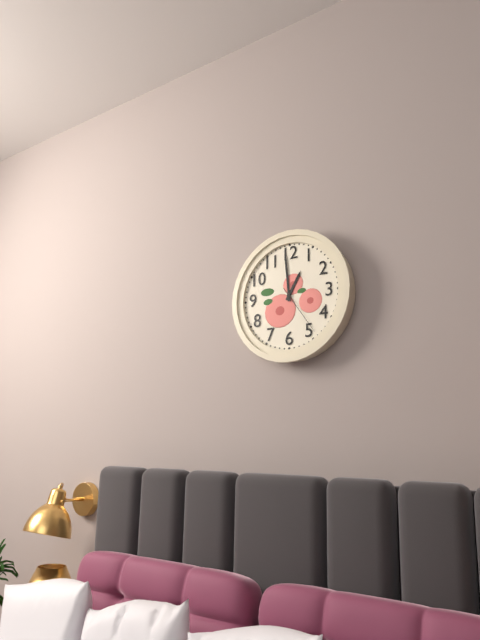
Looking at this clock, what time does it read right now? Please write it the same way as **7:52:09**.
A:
**12:59:24**
